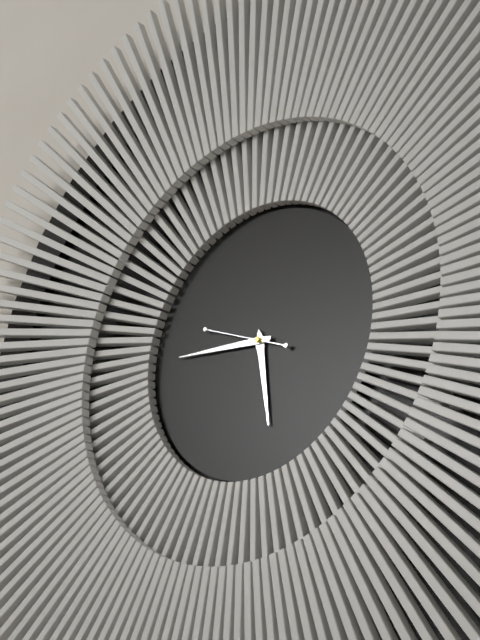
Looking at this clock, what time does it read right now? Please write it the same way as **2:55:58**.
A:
**5:46:49**
